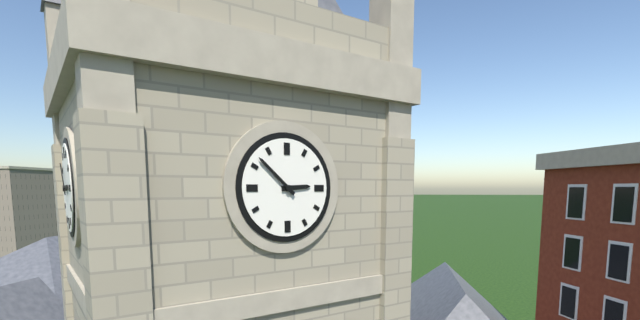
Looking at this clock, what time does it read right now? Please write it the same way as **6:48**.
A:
**2:52**
